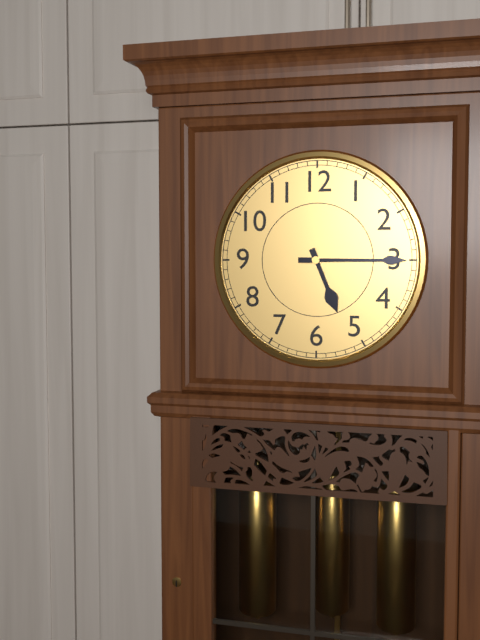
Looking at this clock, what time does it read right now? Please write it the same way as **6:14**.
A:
**5:15**
